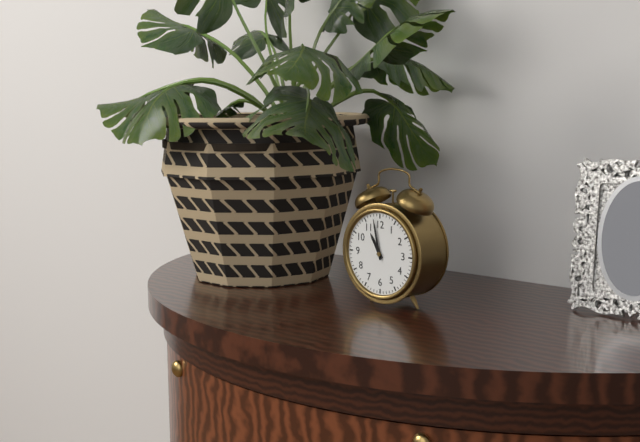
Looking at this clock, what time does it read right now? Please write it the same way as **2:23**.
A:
**10:58**
